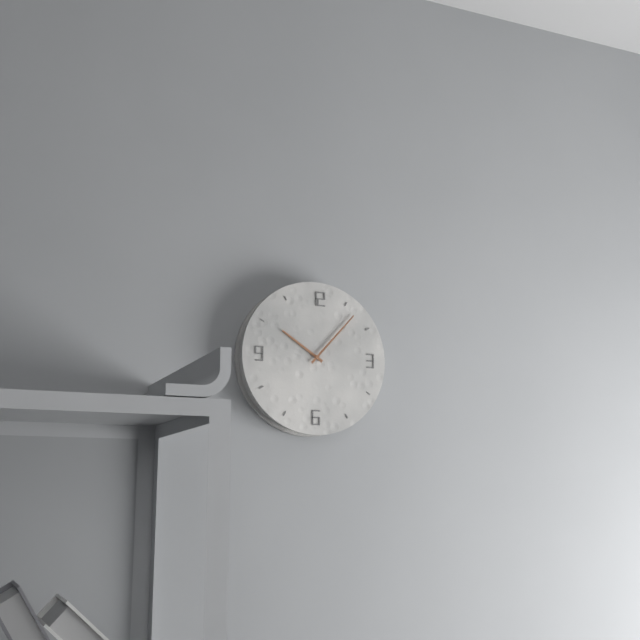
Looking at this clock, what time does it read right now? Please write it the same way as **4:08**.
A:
**10:07**
